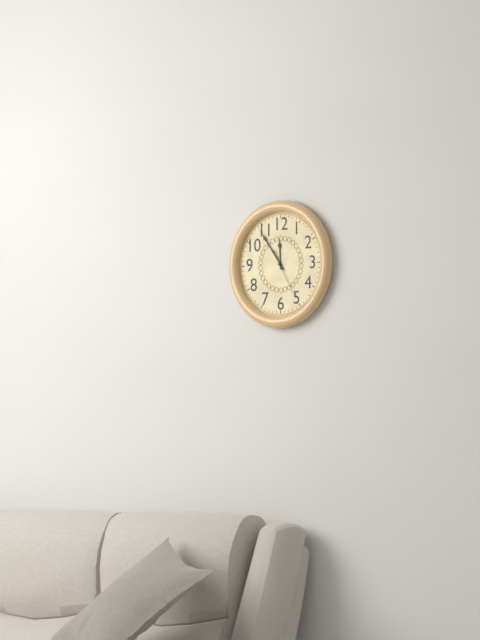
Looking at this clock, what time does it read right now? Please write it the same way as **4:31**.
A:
**11:54**
